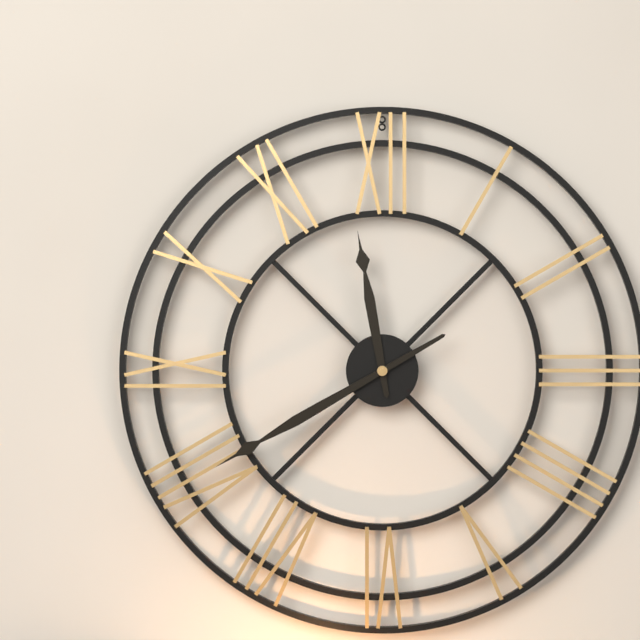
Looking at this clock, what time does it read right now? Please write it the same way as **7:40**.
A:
**11:40**
